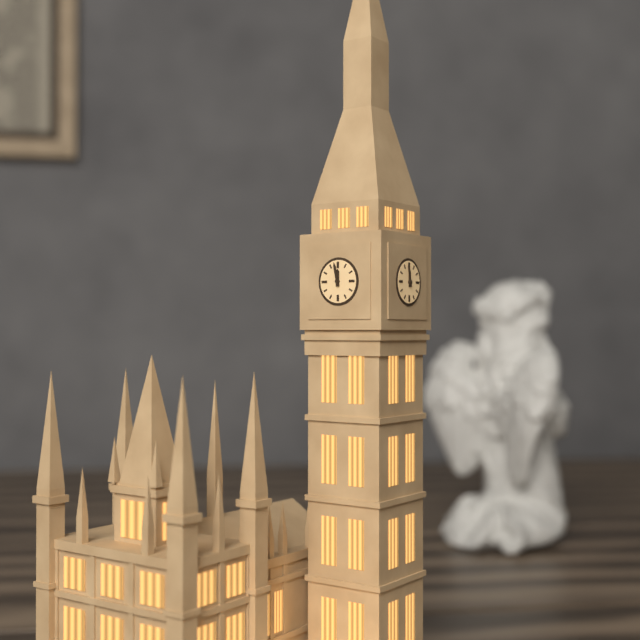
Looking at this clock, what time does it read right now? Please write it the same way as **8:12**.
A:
**11:58**
